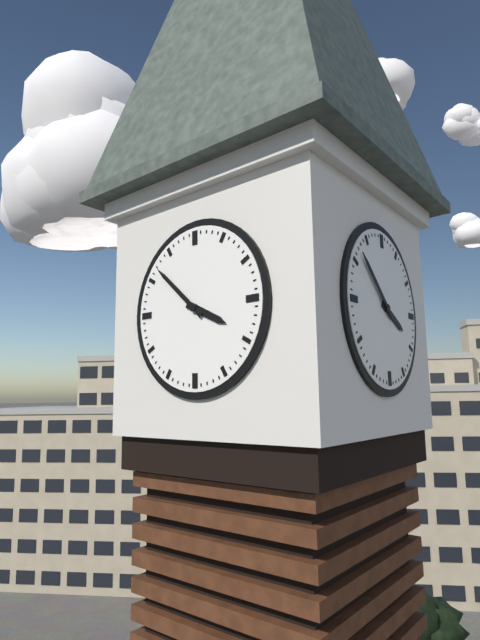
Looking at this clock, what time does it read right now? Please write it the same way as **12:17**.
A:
**3:52**
